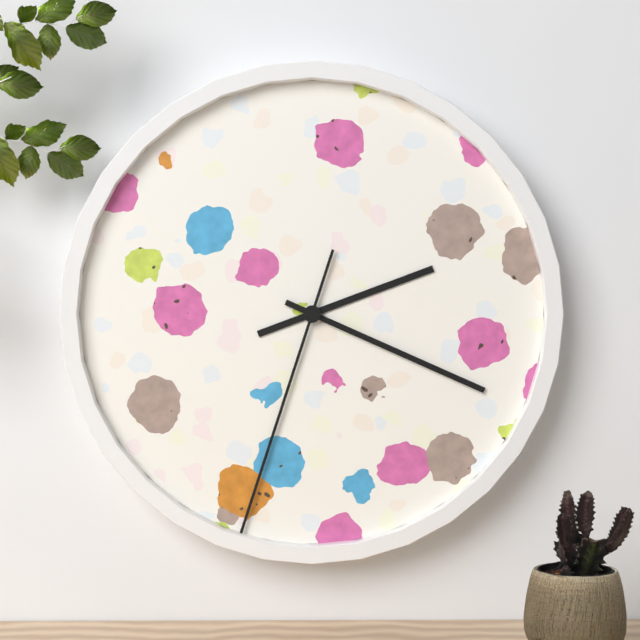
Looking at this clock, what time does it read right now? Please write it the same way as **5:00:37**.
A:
**2:19:33**
